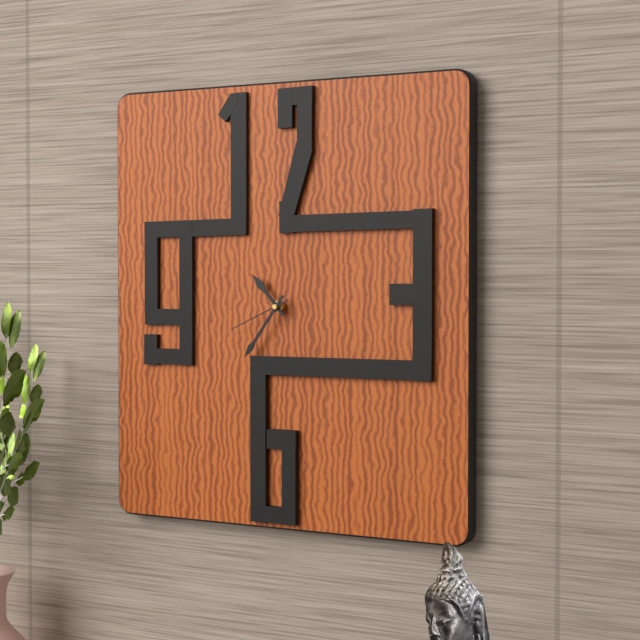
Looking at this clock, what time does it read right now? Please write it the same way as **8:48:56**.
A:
**10:36:41**
